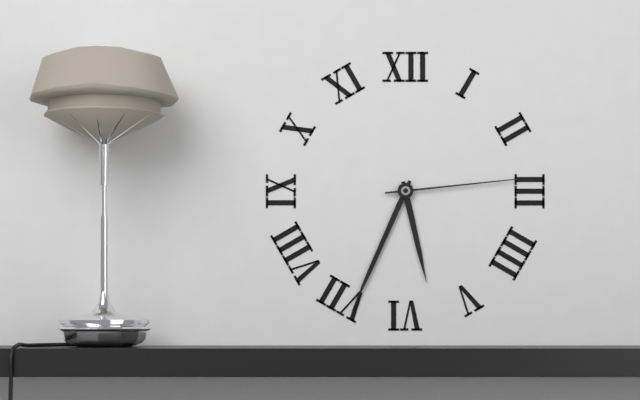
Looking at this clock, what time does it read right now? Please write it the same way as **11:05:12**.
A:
**5:34:14**
